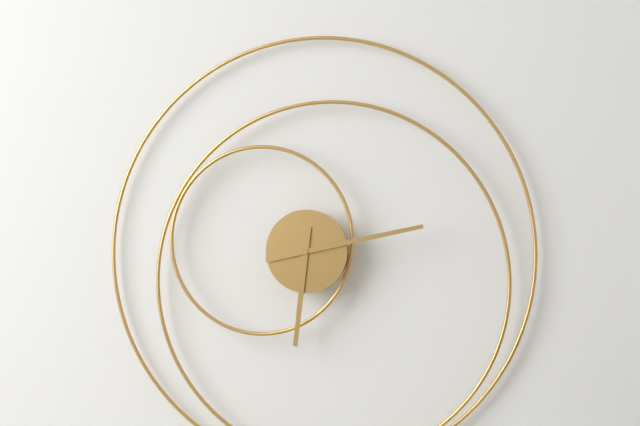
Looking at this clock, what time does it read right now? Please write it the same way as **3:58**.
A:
**6:13**
